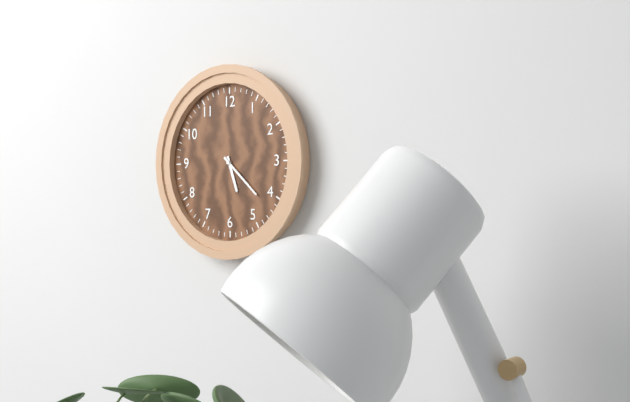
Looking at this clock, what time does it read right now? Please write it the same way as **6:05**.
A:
**5:22**
